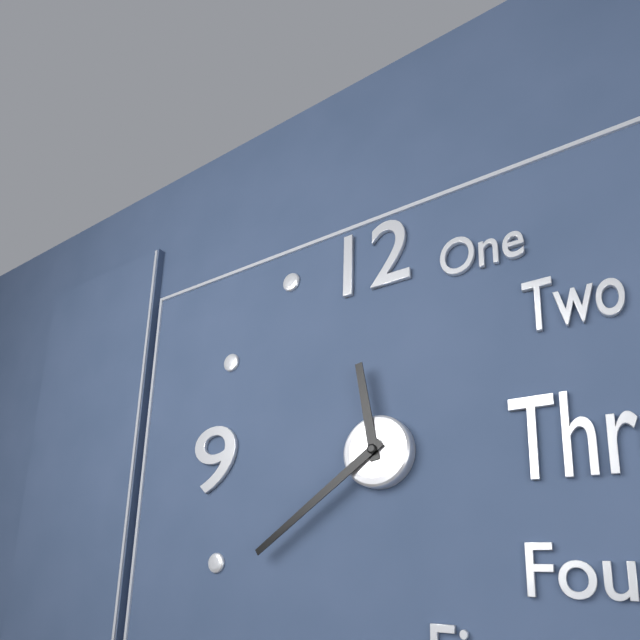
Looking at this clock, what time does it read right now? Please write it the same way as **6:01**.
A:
**11:39**
